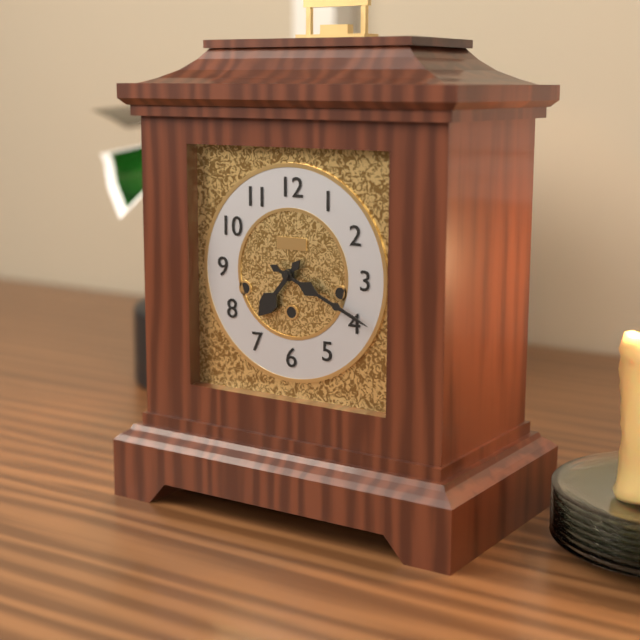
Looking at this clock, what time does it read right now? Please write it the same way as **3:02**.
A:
**7:19**
